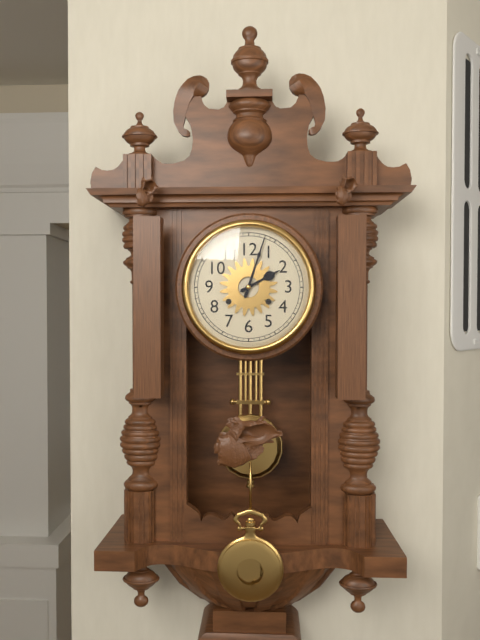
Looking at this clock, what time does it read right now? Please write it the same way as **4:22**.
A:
**2:03**
